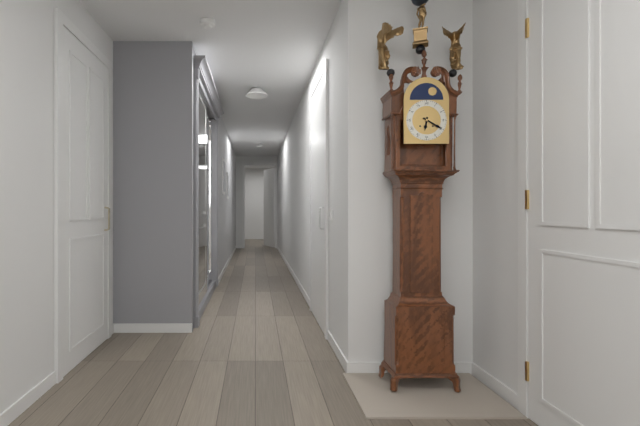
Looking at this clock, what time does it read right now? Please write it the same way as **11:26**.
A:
**6:20**
